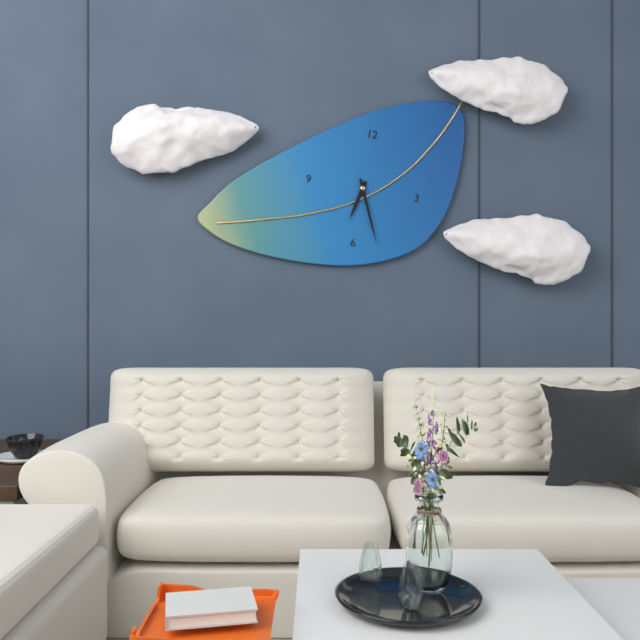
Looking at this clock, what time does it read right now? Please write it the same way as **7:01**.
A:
**6:26**
